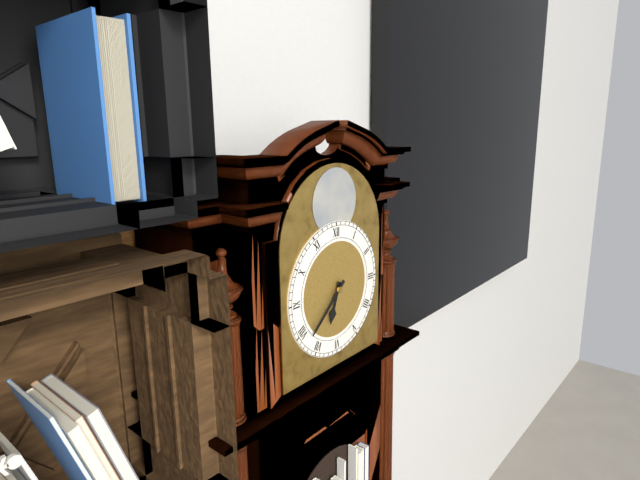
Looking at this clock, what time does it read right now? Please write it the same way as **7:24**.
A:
**6:38**
